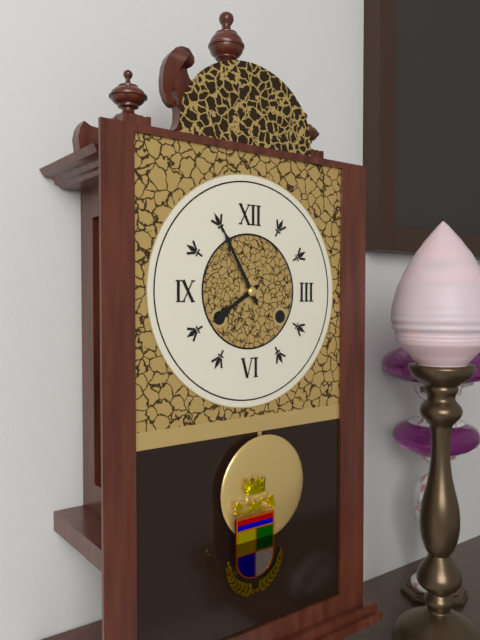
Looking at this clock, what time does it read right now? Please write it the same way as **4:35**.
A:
**7:55**
